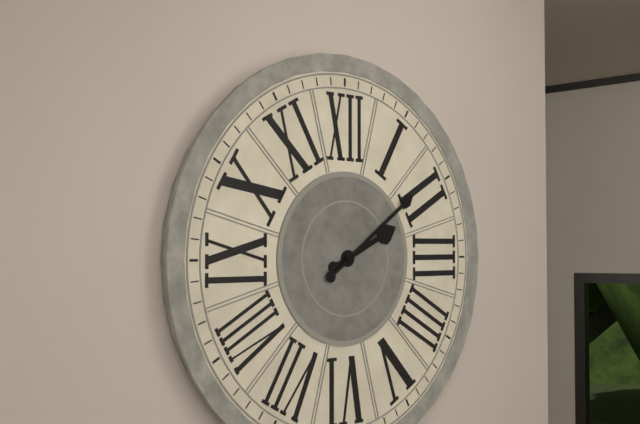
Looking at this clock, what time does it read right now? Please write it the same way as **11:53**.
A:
**2:09**
